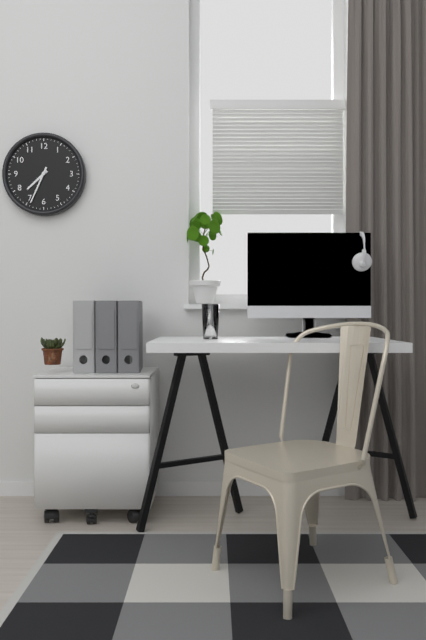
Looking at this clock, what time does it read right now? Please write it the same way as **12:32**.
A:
**7:34**
